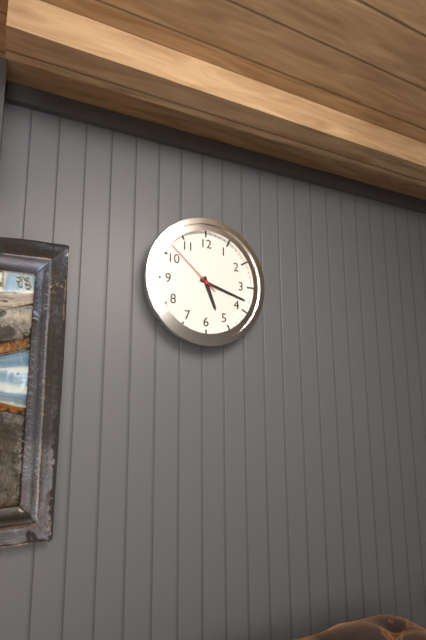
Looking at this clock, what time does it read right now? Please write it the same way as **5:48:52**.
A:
**5:18:52**
